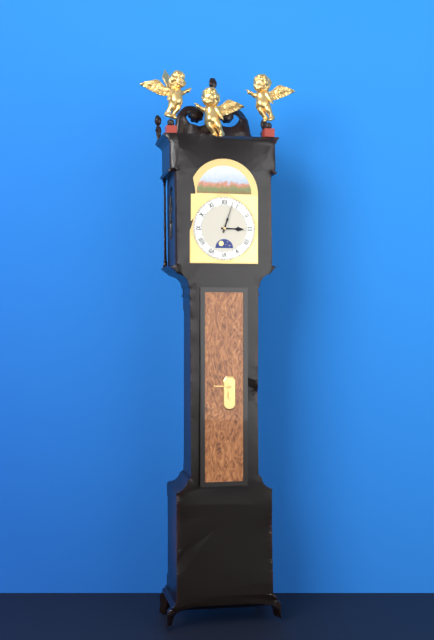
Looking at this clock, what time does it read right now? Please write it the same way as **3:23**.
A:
**3:03**
